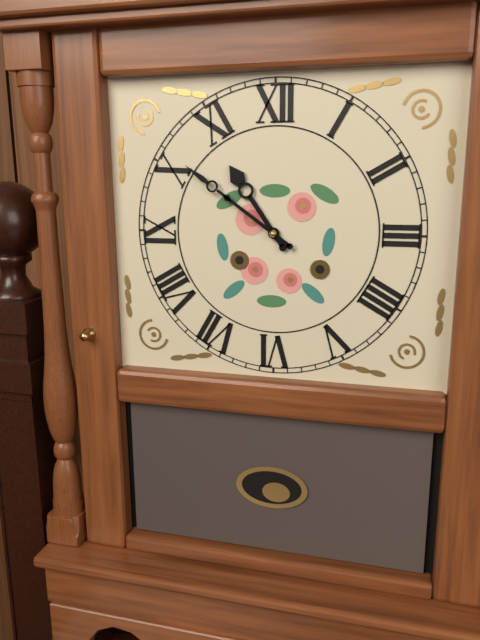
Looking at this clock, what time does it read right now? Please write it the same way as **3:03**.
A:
**10:51**
